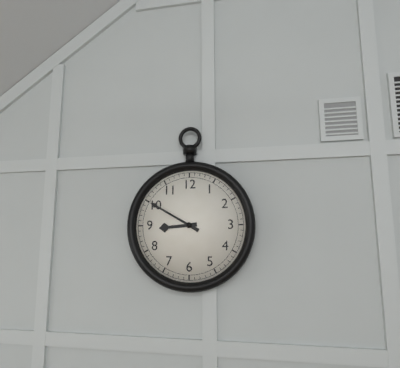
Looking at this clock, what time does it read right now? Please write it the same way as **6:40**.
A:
**8:50**
